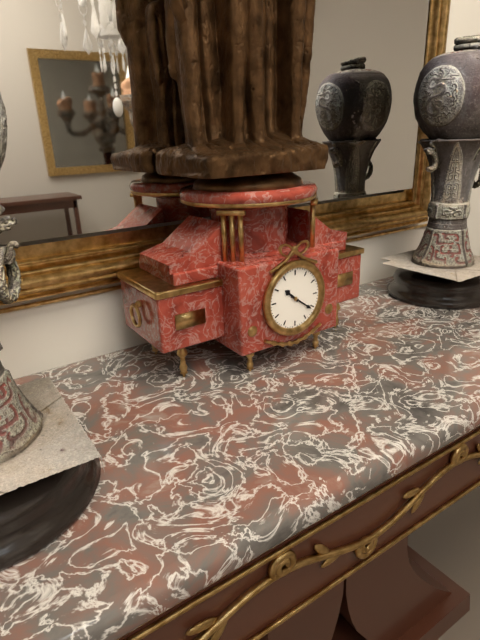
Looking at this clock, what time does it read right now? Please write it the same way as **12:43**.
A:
**10:21**
